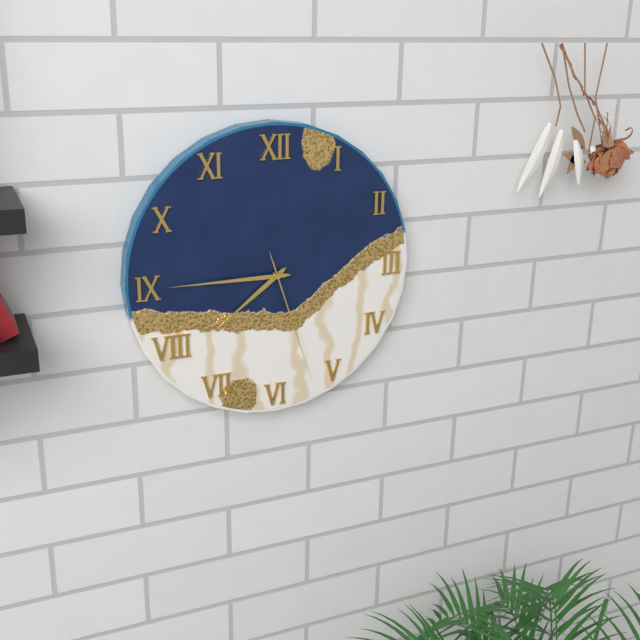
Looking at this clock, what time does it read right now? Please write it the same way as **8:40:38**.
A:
**7:45:27**
